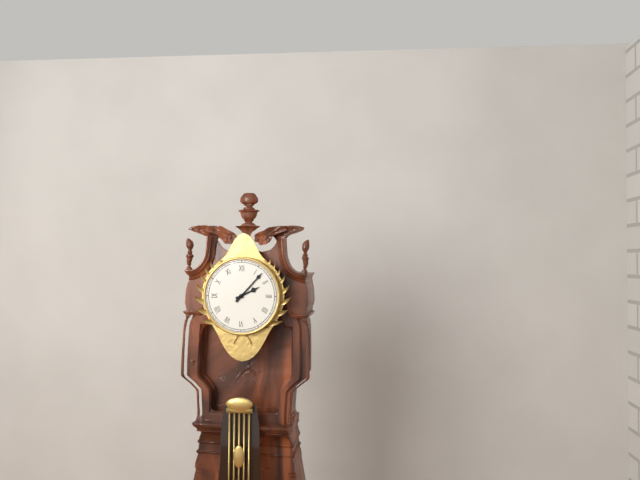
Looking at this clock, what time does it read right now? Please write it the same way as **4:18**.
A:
**2:07**
